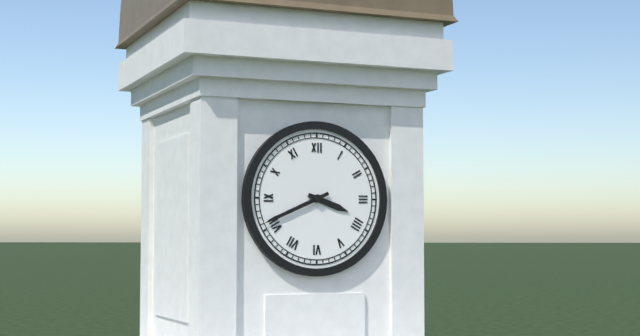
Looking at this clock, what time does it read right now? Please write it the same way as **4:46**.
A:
**3:41**
